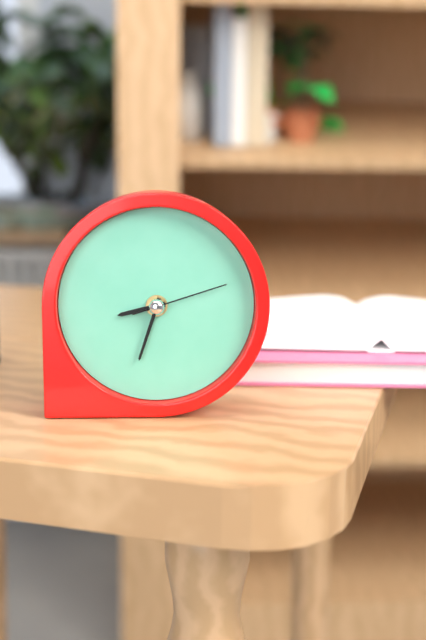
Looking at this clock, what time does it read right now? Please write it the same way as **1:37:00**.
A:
**8:33:12**
